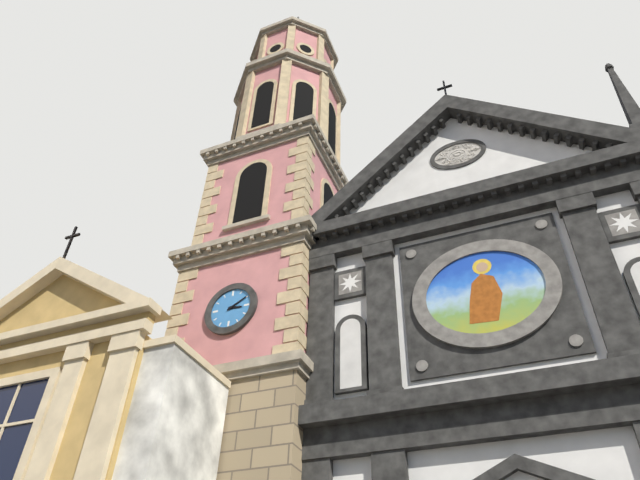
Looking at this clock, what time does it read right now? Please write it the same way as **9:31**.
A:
**3:10**
